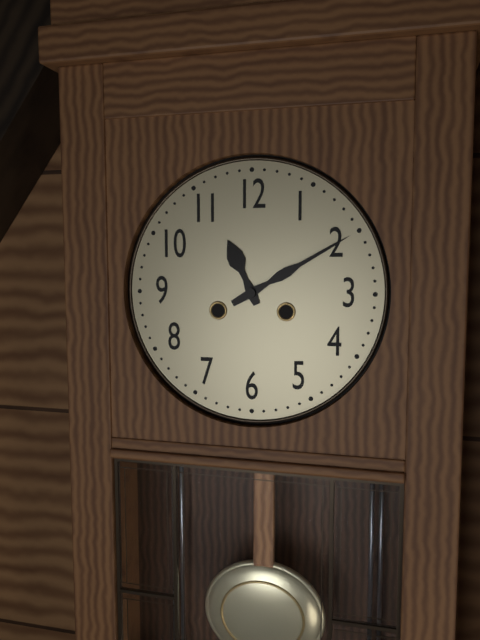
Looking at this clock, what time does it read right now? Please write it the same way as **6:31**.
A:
**11:10**
